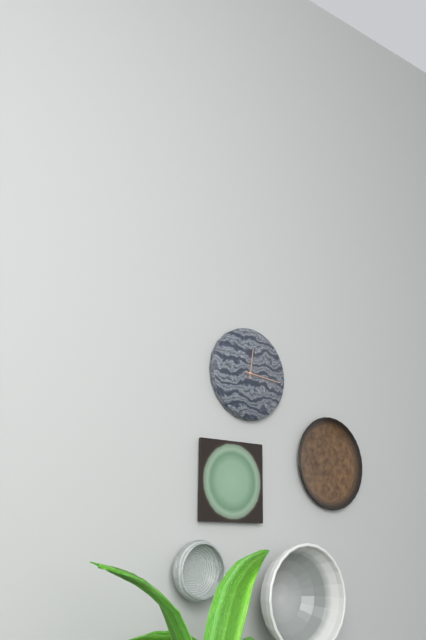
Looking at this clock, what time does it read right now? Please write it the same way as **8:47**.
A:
**12:16**
